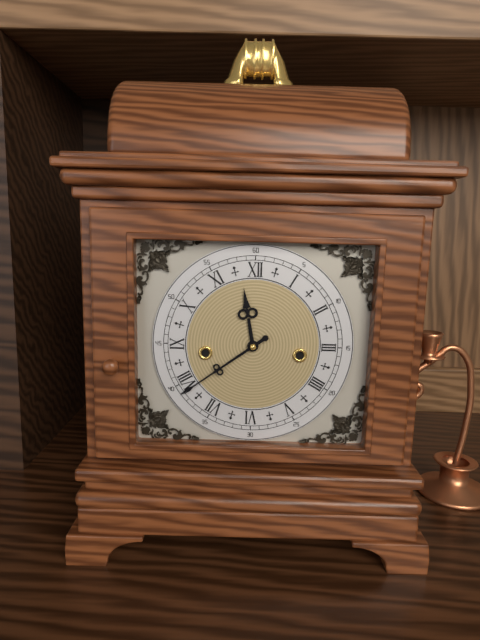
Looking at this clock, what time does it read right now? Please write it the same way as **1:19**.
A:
**11:39**
